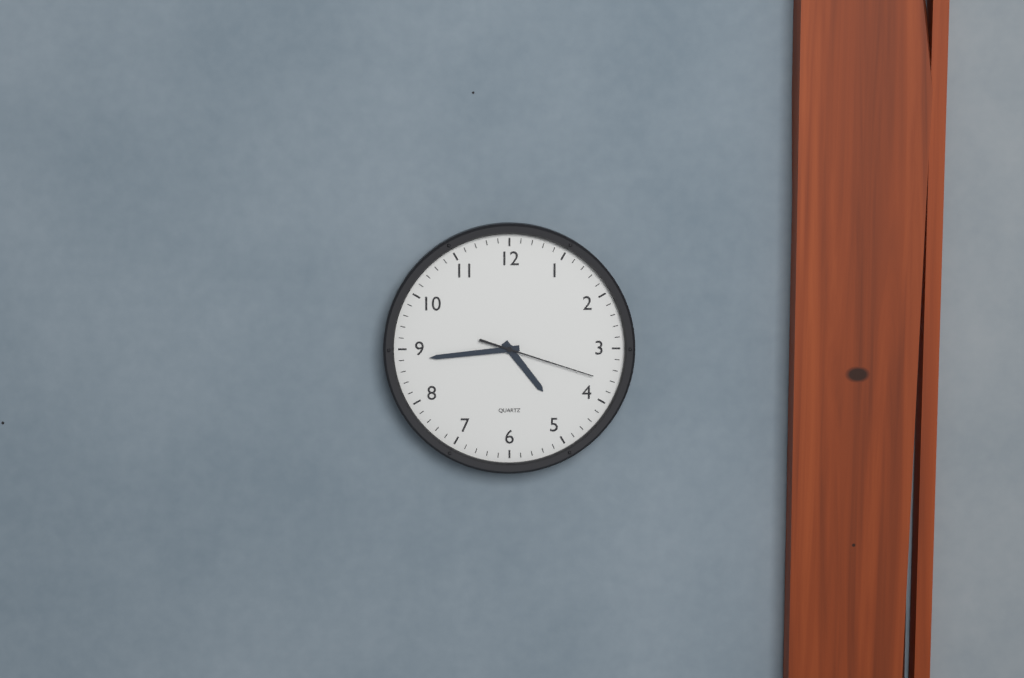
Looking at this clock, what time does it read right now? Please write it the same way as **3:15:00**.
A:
**4:44:18**
